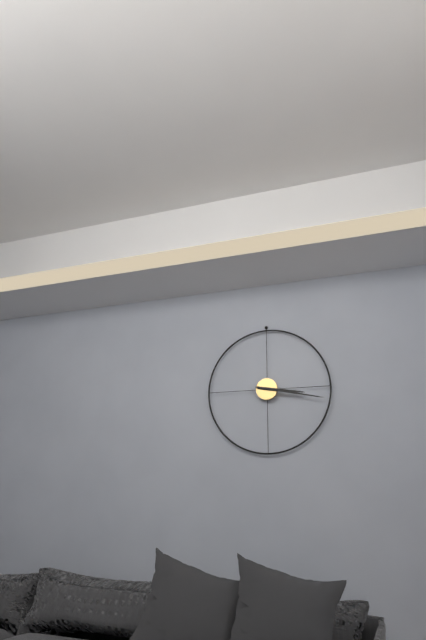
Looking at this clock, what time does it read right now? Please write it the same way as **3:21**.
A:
**3:17**
